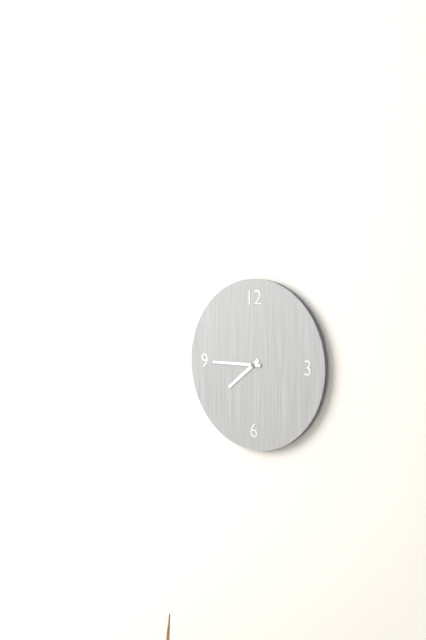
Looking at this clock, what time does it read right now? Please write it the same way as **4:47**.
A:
**7:45**
